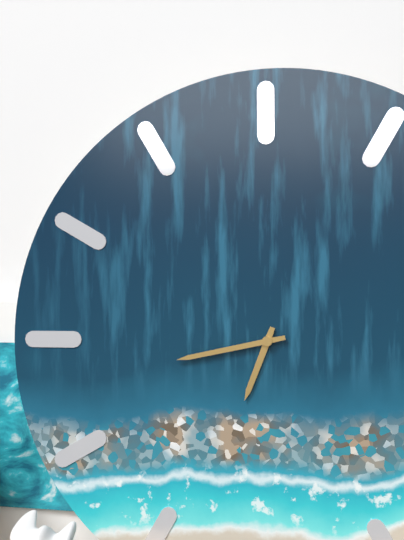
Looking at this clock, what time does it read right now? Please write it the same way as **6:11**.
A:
**6:43**
